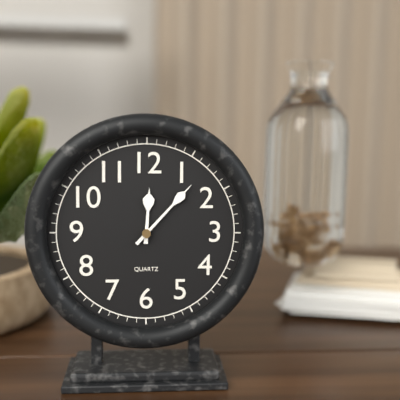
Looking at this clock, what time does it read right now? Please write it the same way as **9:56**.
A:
**12:07**
